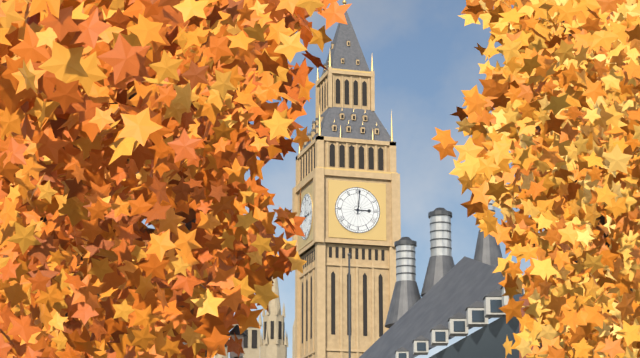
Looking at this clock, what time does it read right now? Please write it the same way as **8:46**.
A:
**3:01**
